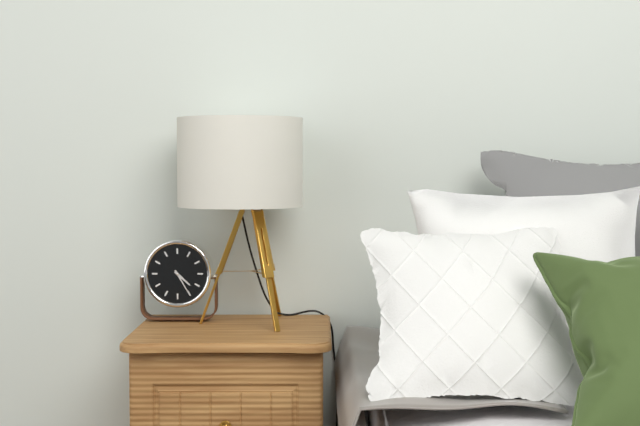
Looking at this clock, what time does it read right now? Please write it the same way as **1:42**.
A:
**4:25**
